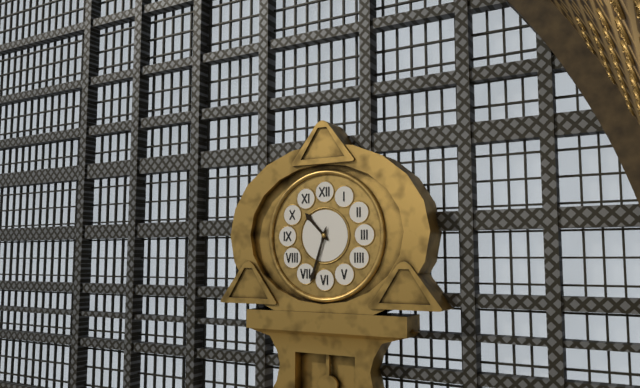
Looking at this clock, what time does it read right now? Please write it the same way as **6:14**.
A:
**10:33**
